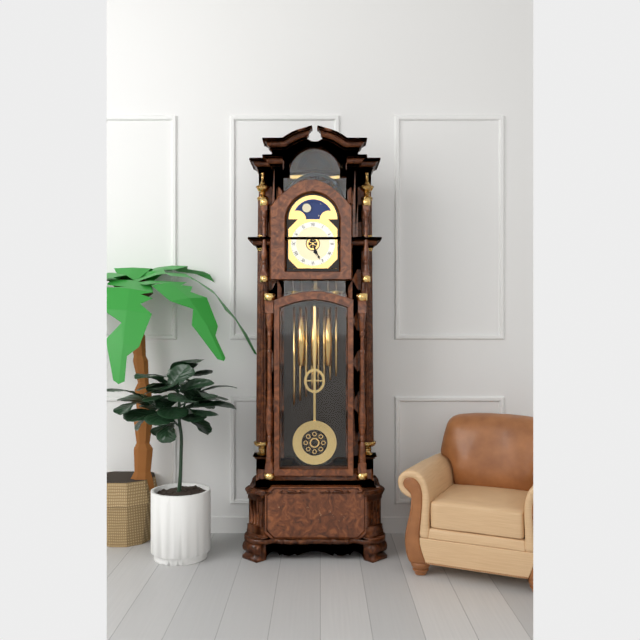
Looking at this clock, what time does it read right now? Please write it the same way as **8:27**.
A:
**5:26**
